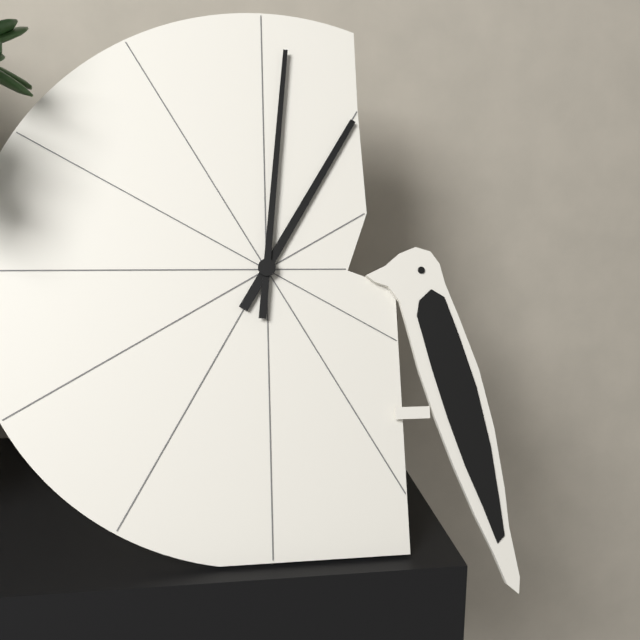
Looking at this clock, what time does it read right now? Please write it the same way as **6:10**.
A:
**1:01**
